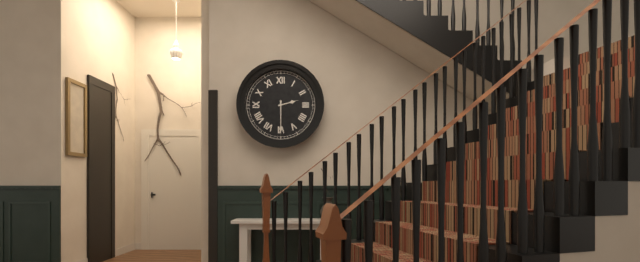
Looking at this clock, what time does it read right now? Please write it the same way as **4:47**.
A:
**2:30**
